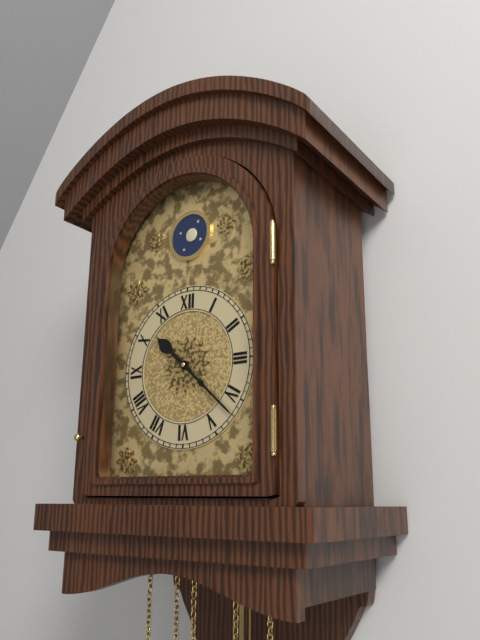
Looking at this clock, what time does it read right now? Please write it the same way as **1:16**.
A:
**10:22**
